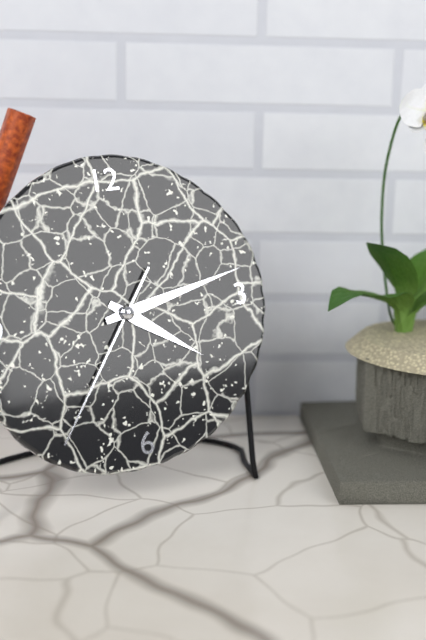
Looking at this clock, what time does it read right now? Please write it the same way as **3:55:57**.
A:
**4:13:36**
